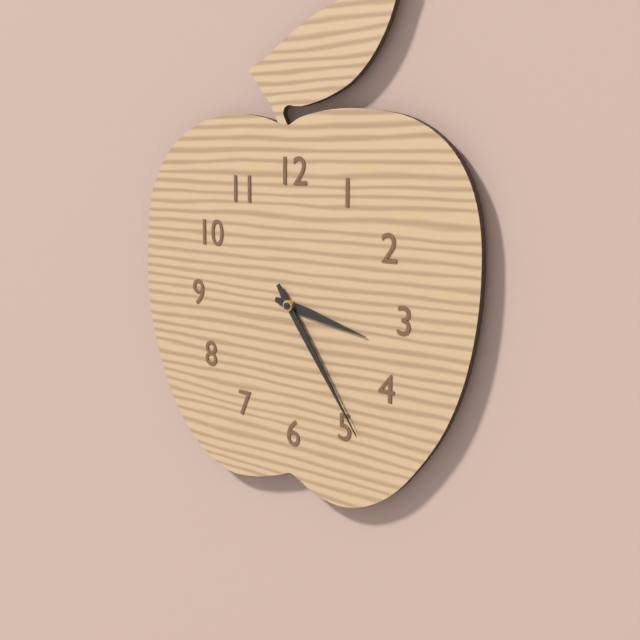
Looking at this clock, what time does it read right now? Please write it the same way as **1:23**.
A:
**3:24**
